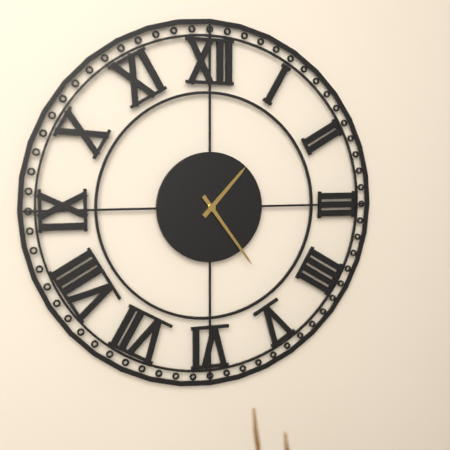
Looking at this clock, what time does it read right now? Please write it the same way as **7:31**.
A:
**1:24**
